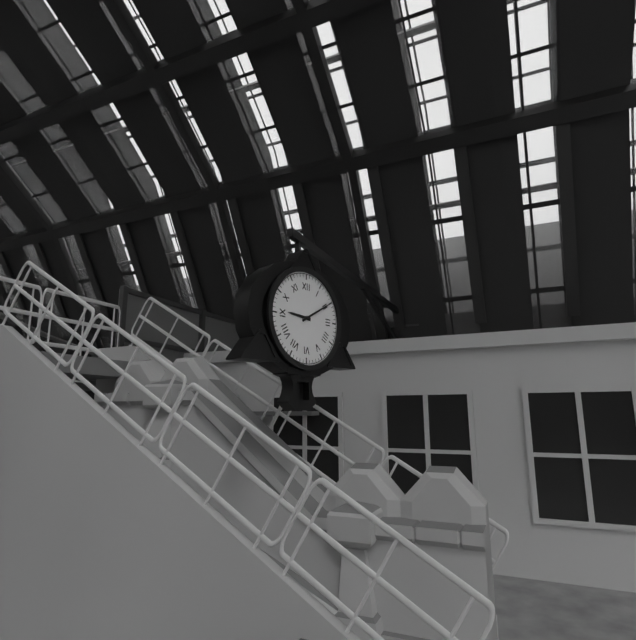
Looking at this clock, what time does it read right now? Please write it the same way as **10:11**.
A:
**9:10**
